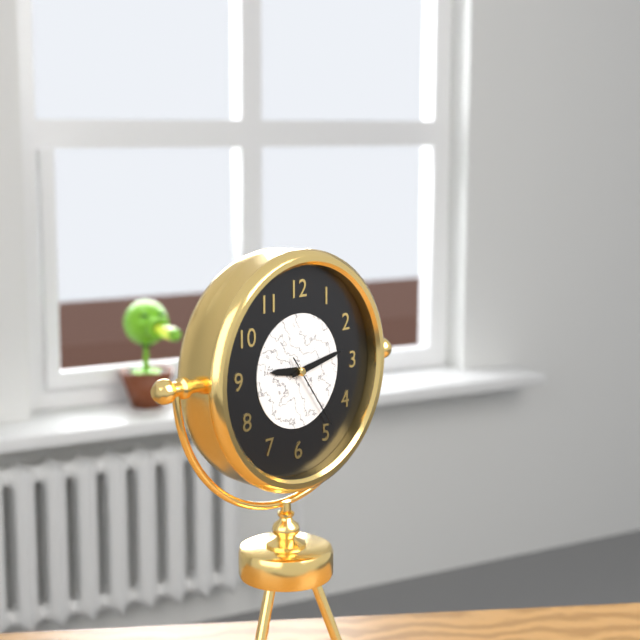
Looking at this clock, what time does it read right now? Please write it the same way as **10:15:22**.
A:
**9:13:24**
